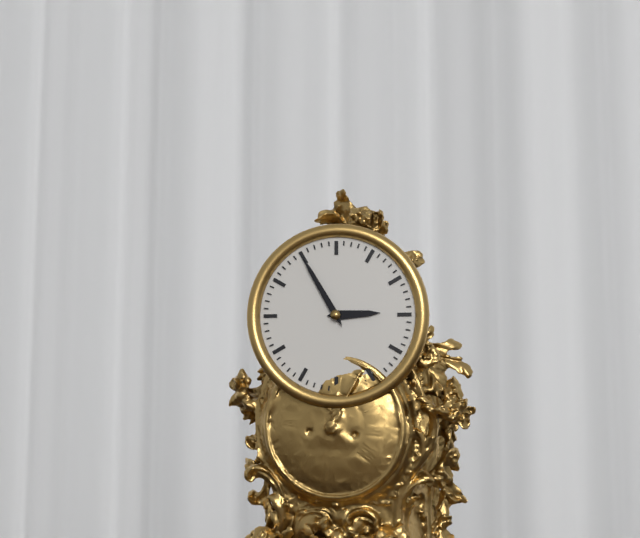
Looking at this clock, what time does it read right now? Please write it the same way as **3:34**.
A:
**2:55**
